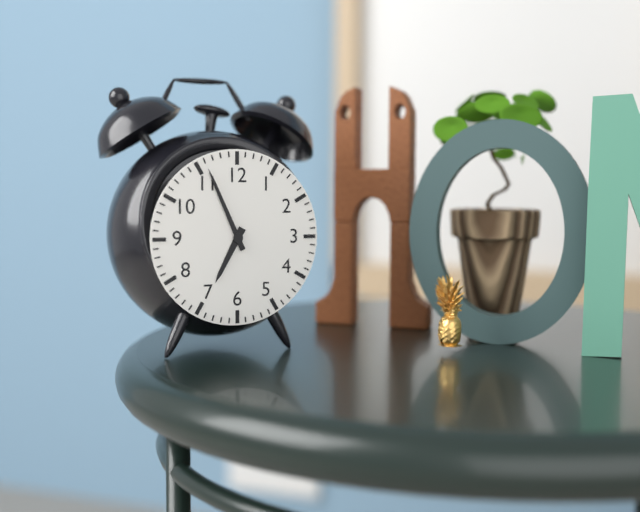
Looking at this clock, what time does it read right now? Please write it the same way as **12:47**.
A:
**6:56**
